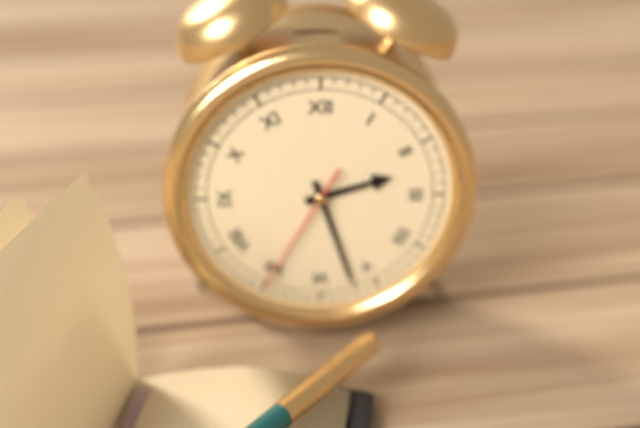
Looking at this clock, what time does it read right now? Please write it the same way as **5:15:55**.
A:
**2:27:35**
